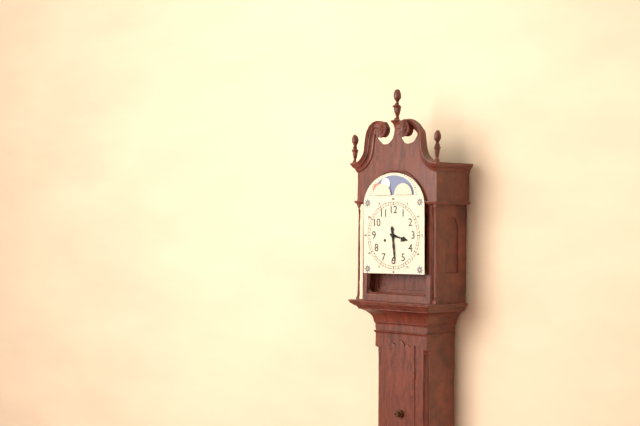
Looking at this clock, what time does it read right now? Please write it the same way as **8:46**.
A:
**3:29**
